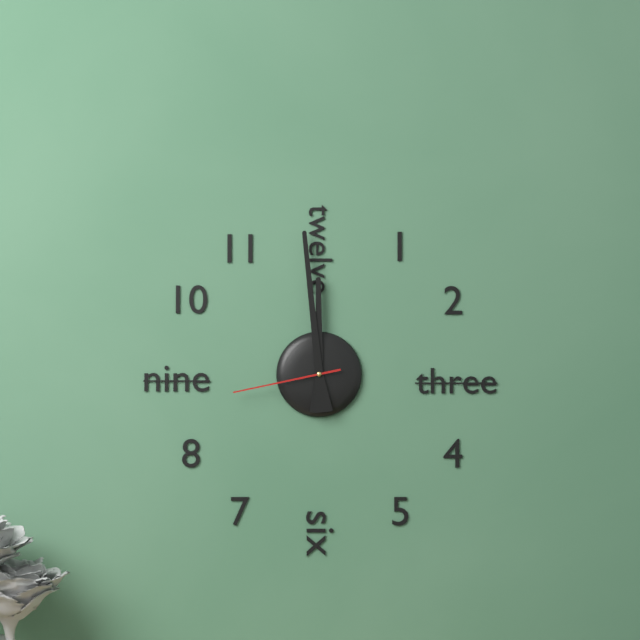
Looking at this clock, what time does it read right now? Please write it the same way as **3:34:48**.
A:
**11:59:43**
